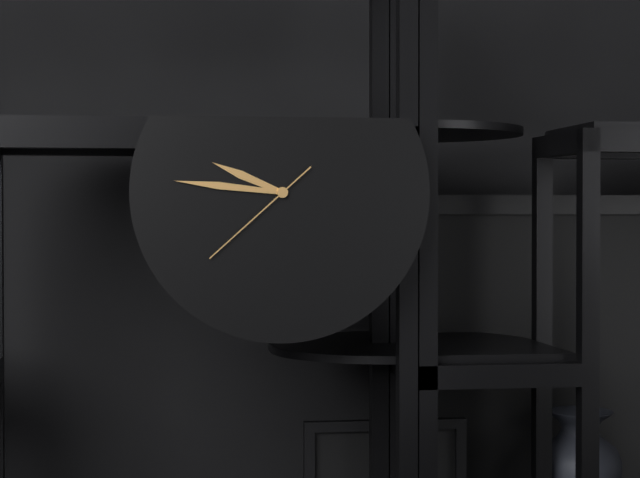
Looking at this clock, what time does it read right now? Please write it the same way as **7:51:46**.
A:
**9:46:38**
